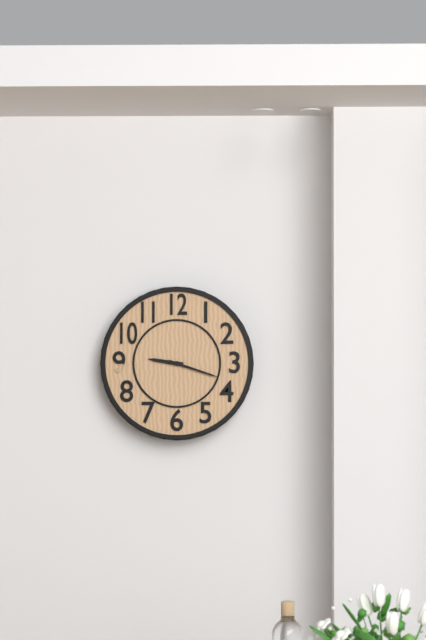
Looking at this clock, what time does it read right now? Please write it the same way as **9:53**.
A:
**9:18**
